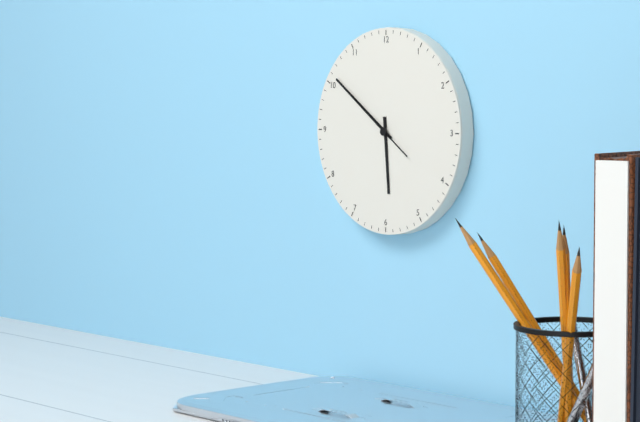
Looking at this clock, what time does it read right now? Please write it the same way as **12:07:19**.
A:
**5:51:51**
